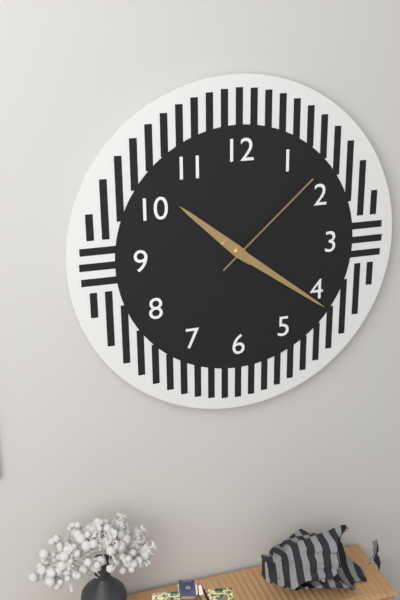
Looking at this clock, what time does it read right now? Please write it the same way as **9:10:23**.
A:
**10:21:08**
